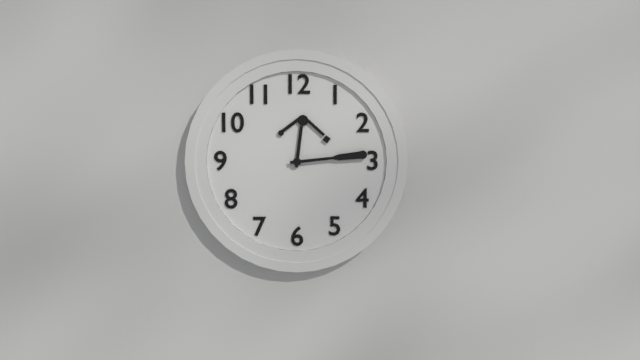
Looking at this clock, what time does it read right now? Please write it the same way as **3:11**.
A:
**12:14**
